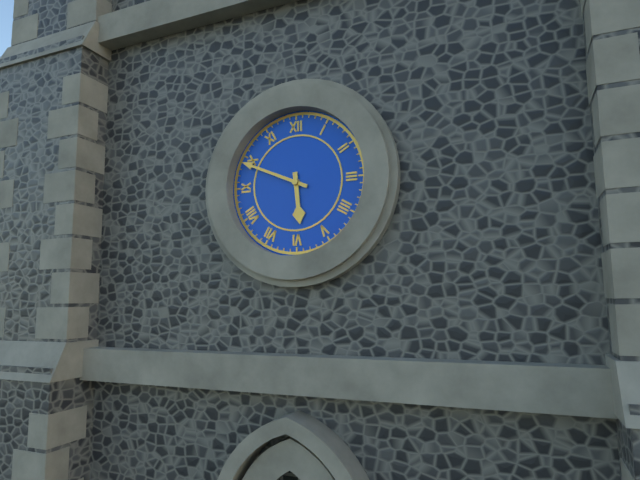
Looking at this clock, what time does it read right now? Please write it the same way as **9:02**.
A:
**5:49**
